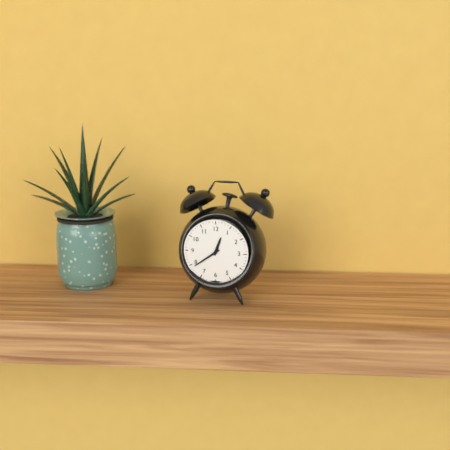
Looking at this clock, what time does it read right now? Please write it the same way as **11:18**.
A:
**12:39**
